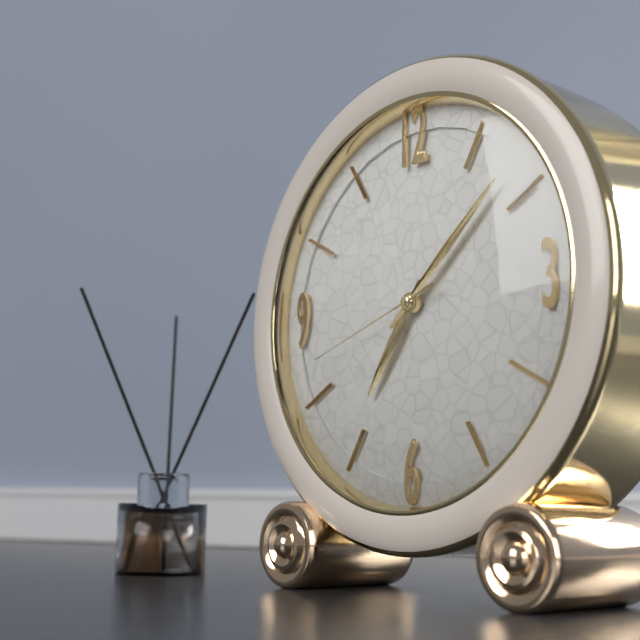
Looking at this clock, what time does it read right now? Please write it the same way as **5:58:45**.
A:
**7:08:42**
